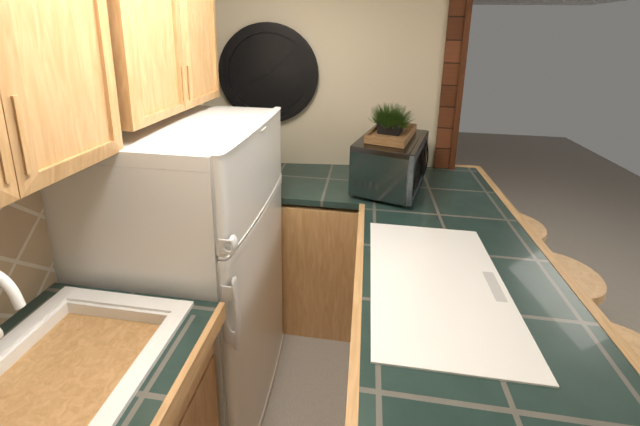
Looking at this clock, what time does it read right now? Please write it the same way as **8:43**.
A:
**8:08**
